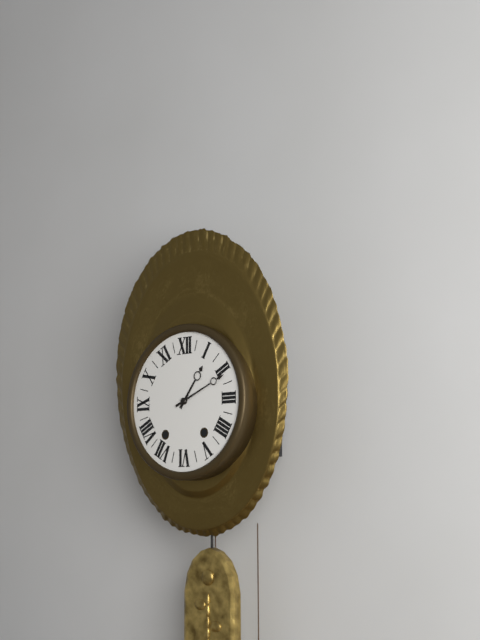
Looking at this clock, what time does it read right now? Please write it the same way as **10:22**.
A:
**1:11**
